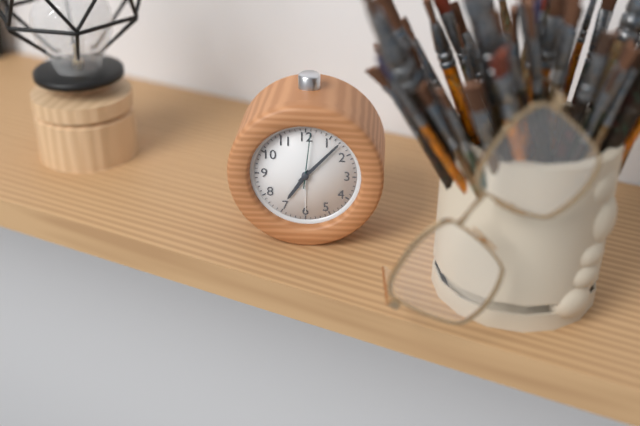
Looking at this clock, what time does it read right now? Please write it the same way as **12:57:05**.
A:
**7:07:01**
